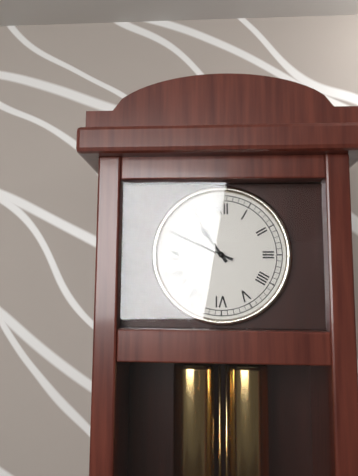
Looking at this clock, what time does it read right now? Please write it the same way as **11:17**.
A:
**10:49**
